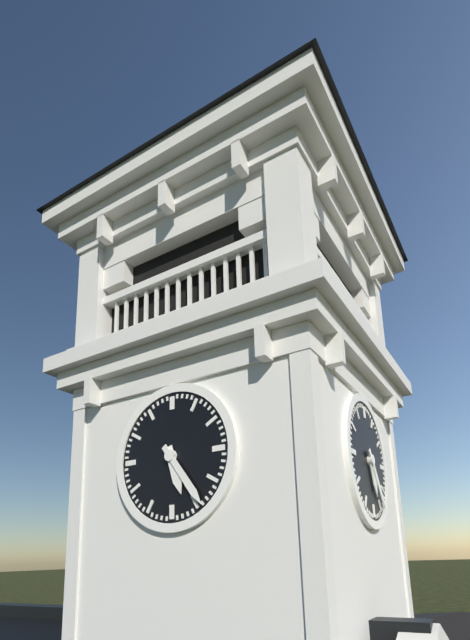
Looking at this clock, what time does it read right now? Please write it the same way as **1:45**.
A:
**5:24**
